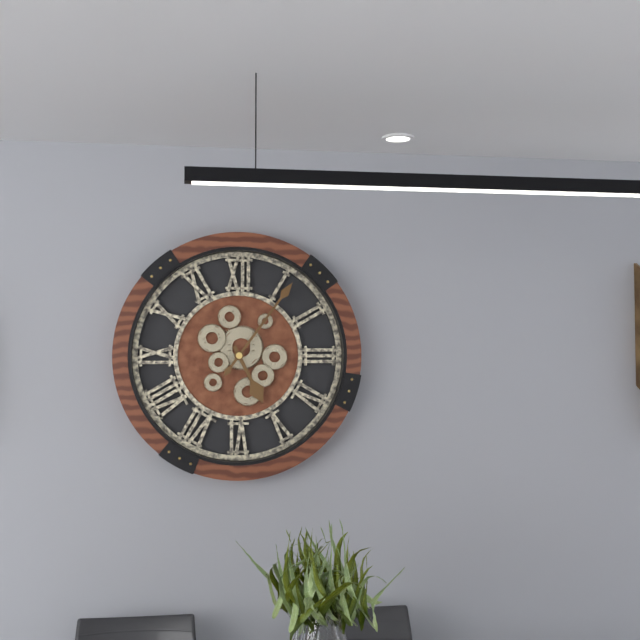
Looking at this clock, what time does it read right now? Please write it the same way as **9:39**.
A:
**5:06**
